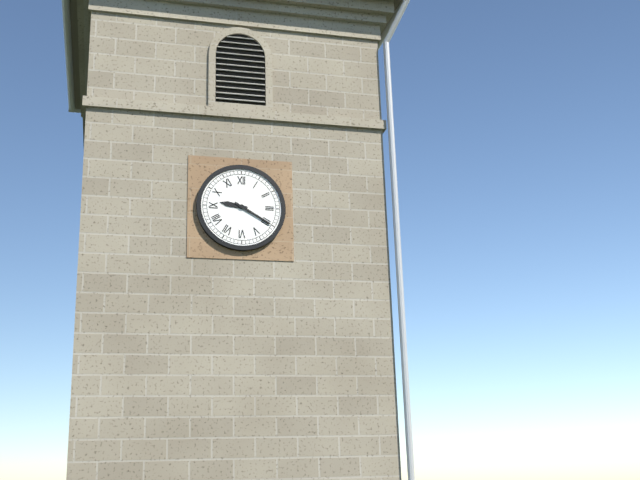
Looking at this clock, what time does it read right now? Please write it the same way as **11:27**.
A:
**9:20**
